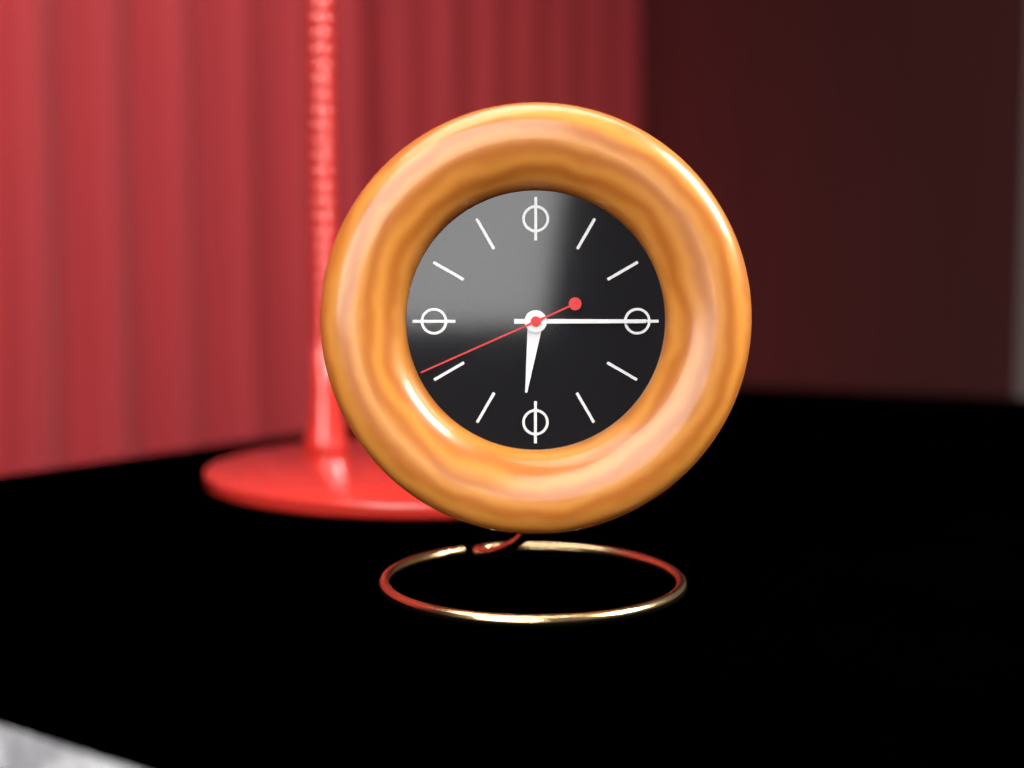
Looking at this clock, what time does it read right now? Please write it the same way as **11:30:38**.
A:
**6:15:41**
